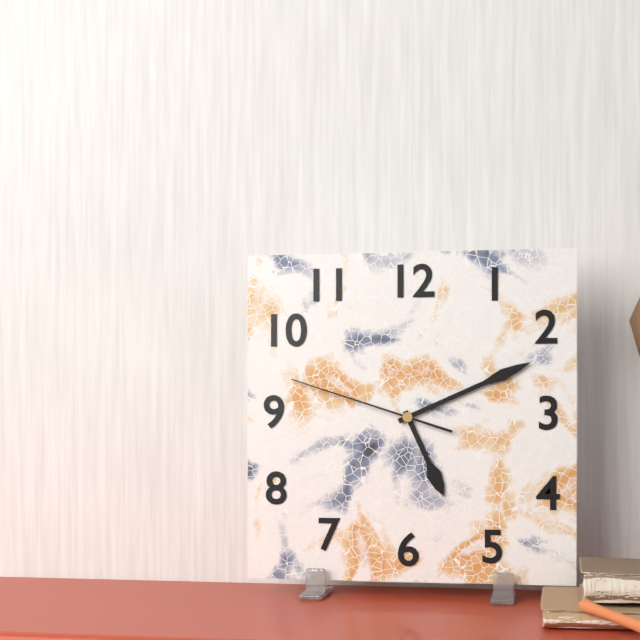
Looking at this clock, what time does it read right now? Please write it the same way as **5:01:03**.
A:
**5:11:48**
